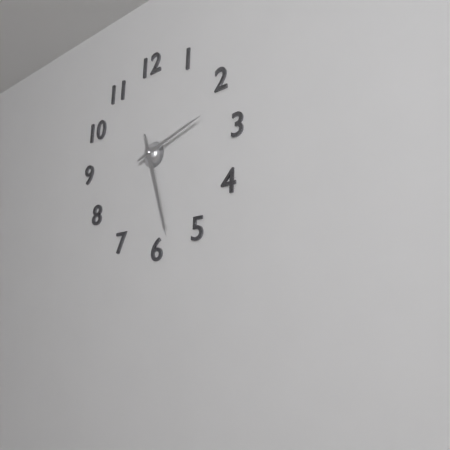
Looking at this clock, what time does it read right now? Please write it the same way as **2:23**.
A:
**2:28**
